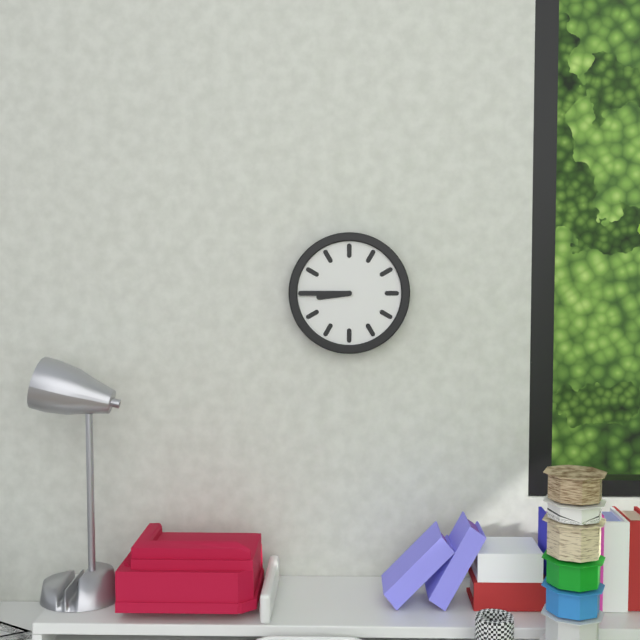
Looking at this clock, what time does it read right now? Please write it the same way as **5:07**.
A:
**8:45**
